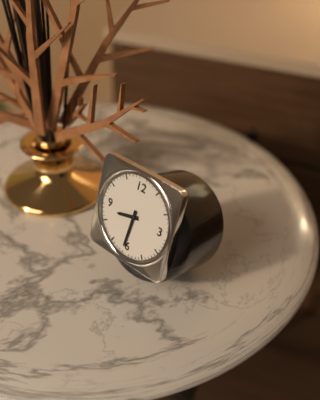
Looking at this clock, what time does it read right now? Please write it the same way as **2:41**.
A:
**8:31**
